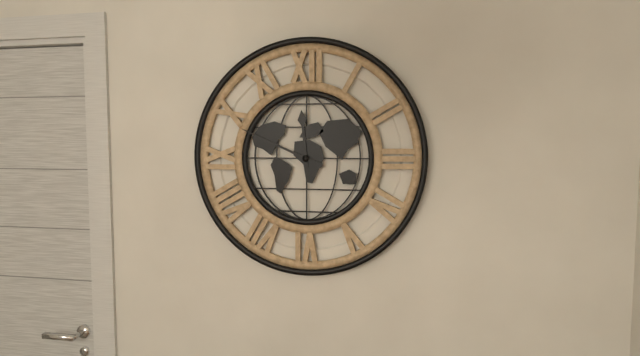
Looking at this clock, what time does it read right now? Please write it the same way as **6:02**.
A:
**11:49**
